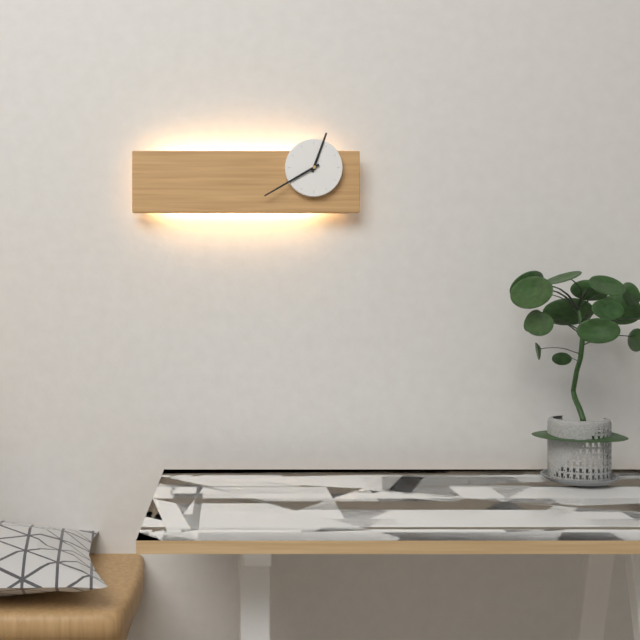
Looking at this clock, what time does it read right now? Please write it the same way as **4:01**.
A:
**12:40**
